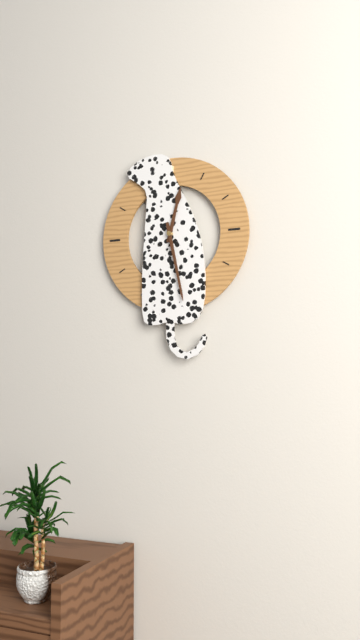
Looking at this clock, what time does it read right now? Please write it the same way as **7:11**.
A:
**12:28**
